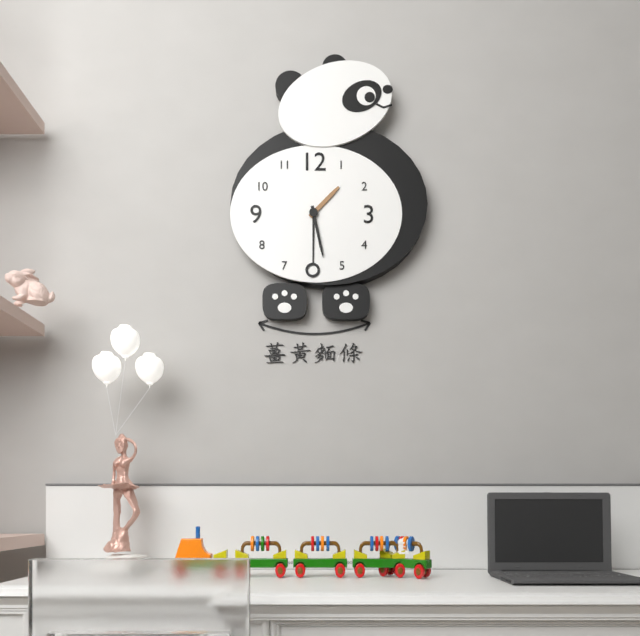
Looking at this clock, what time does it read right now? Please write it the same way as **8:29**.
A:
**1:28**
